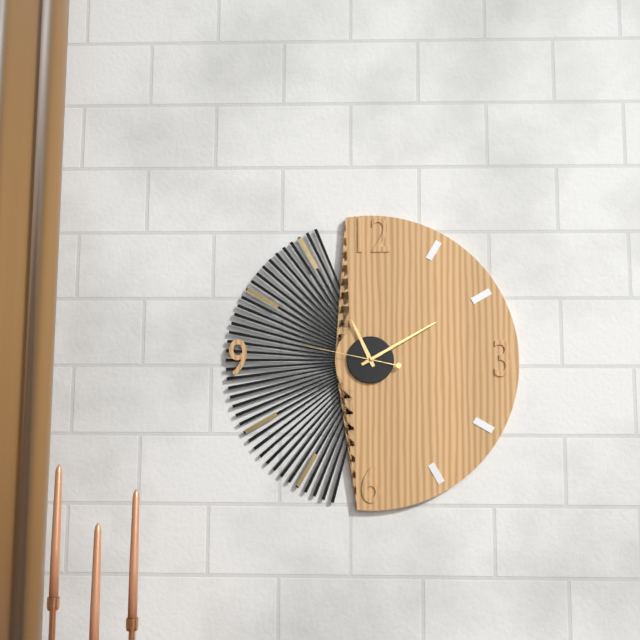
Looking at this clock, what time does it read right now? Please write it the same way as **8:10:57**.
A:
**11:10:47**
